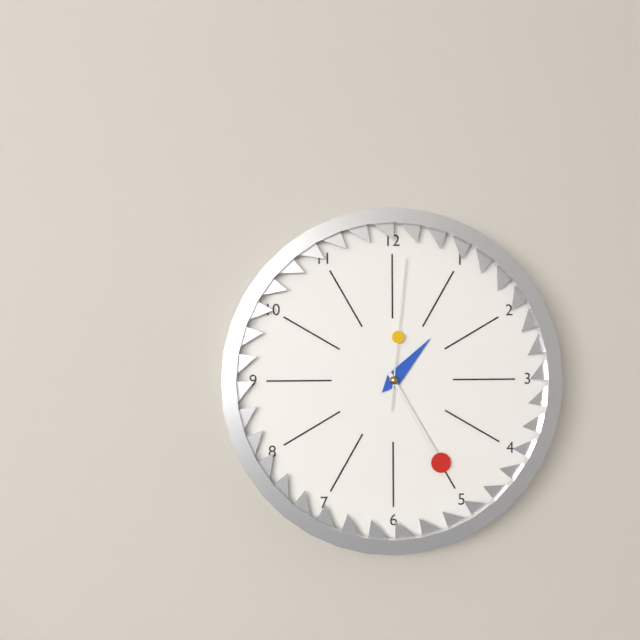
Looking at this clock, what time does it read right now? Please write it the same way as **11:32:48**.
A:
**1:25:01**
